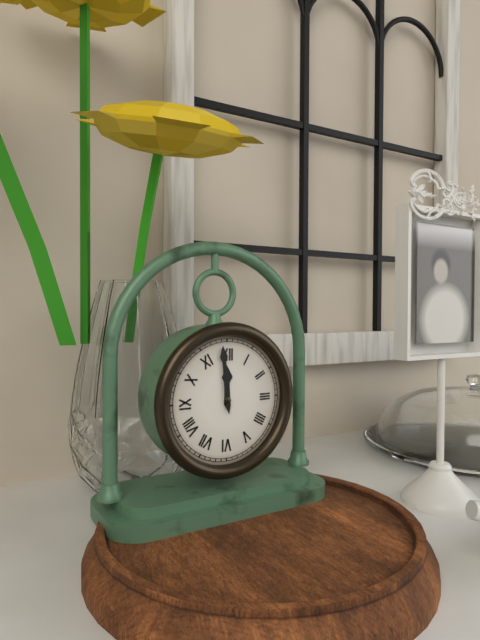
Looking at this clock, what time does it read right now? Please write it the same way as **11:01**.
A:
**11:59**
